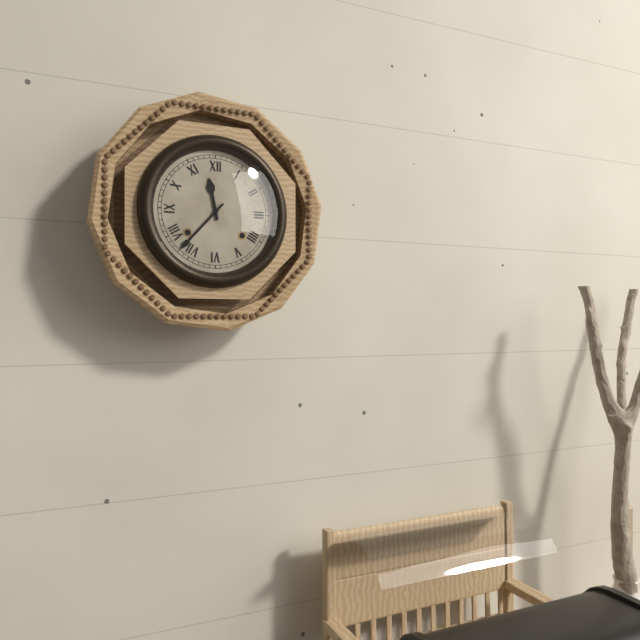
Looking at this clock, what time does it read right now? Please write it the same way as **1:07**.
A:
**11:37**
